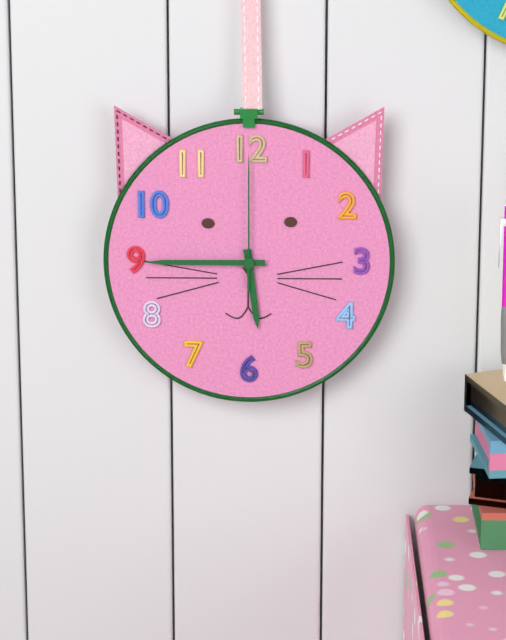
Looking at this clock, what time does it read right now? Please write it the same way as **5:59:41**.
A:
**5:45:00**
